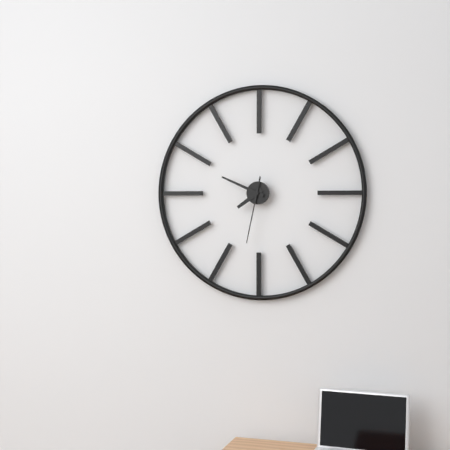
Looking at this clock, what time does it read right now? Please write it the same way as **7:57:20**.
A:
**7:49:32**
